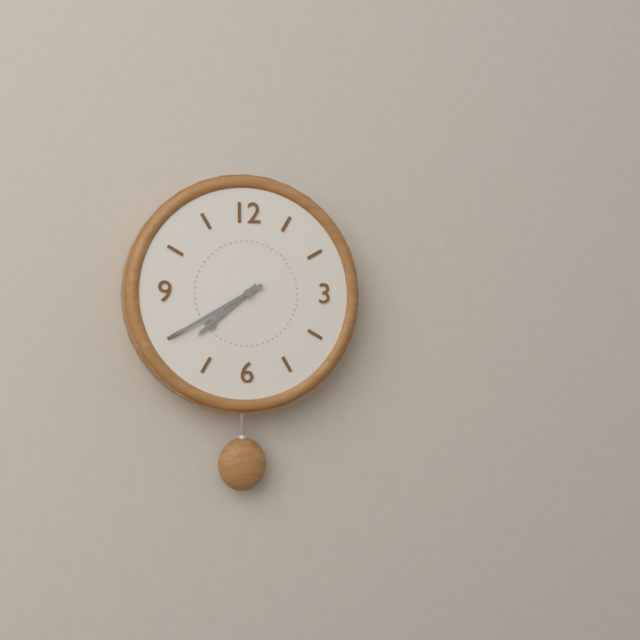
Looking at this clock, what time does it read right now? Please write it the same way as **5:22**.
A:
**7:40**
